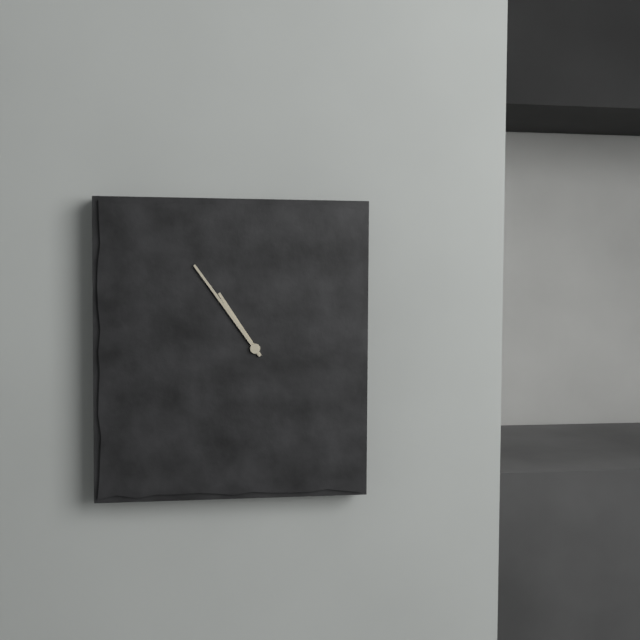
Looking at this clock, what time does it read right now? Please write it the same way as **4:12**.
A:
**10:54**
